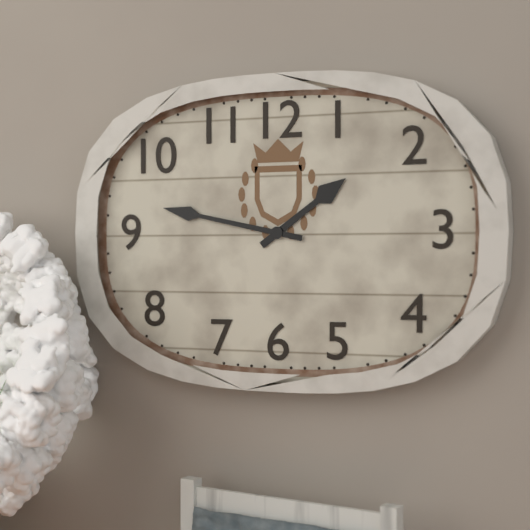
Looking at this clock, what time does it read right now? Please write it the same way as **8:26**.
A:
**1:47**
